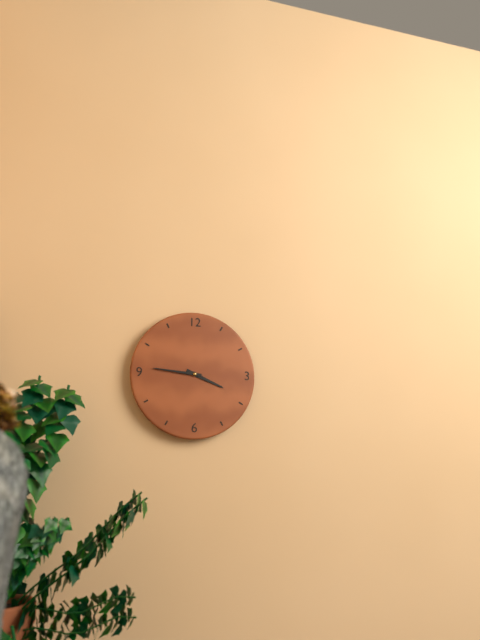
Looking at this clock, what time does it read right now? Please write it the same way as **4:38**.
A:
**3:46**
